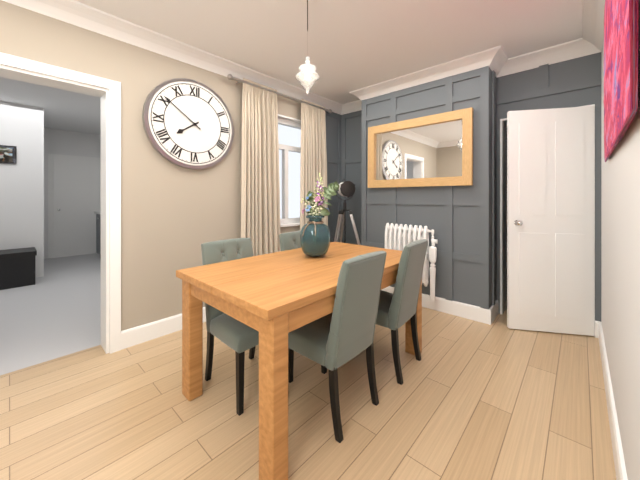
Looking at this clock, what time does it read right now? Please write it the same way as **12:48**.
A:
**7:51**
